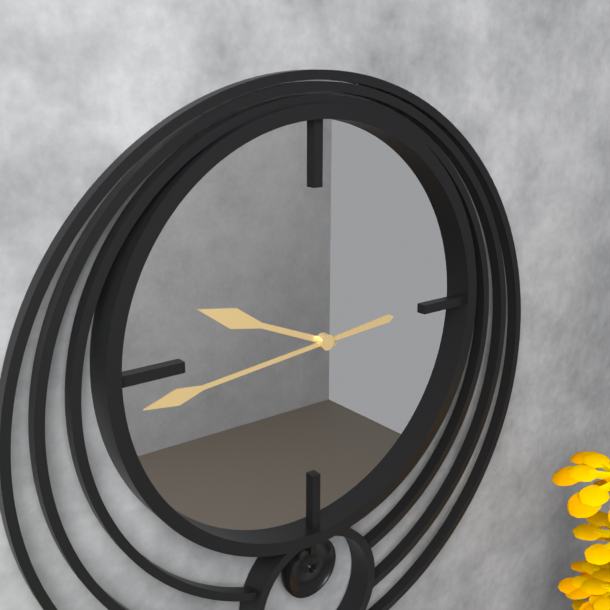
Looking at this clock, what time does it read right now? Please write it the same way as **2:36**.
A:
**9:44**
